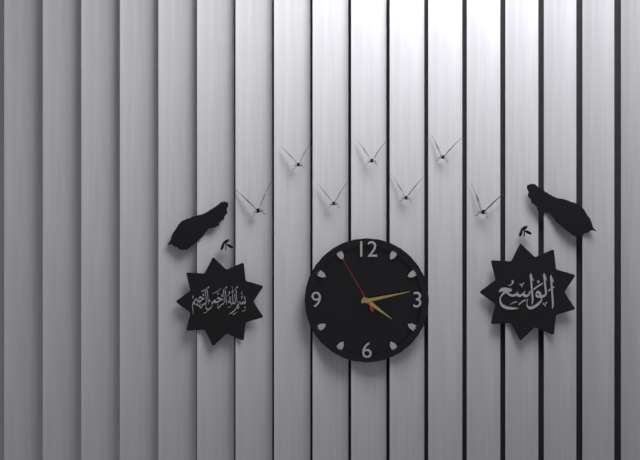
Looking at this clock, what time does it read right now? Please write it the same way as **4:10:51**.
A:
**4:13:55**
